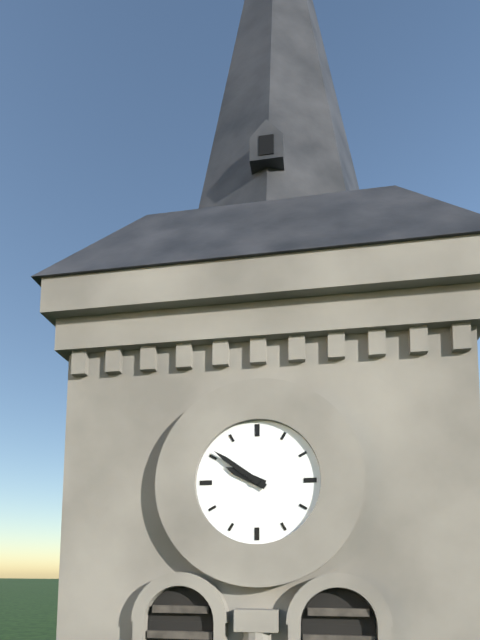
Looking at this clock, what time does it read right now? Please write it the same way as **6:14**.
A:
**9:51**
